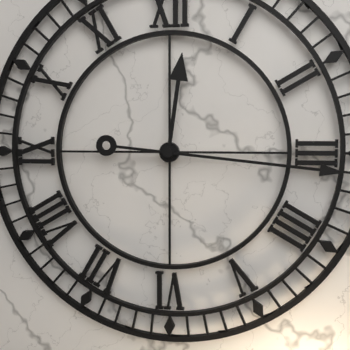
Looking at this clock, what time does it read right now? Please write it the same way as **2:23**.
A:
**12:16**
